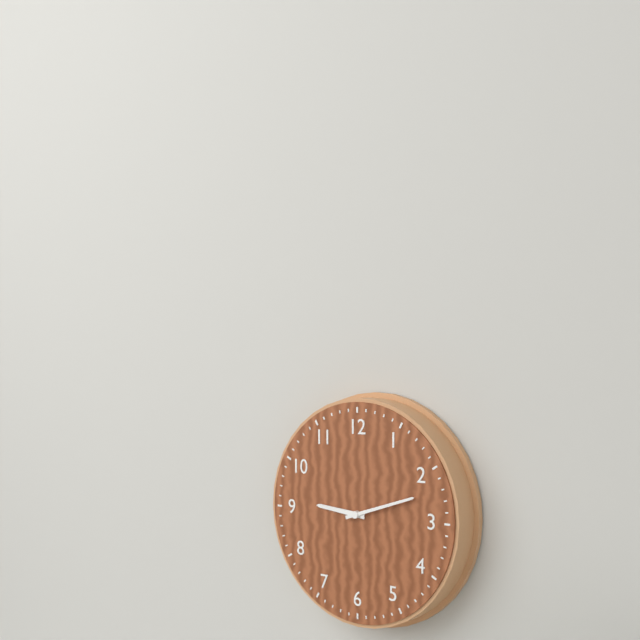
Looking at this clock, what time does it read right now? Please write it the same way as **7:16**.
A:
**9:12**
